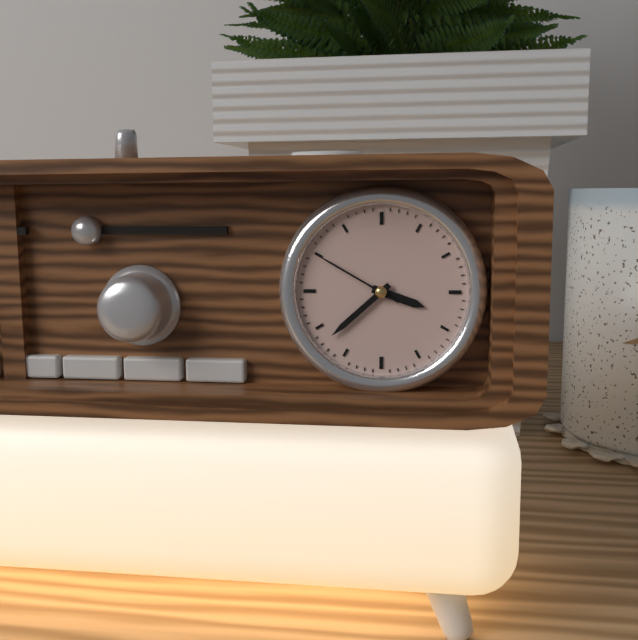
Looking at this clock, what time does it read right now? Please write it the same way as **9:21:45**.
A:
**3:38:50**
